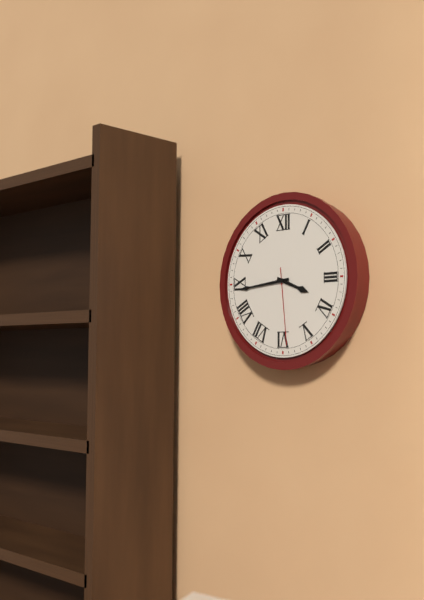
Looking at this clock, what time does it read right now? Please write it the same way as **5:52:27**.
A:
**3:44:29**
